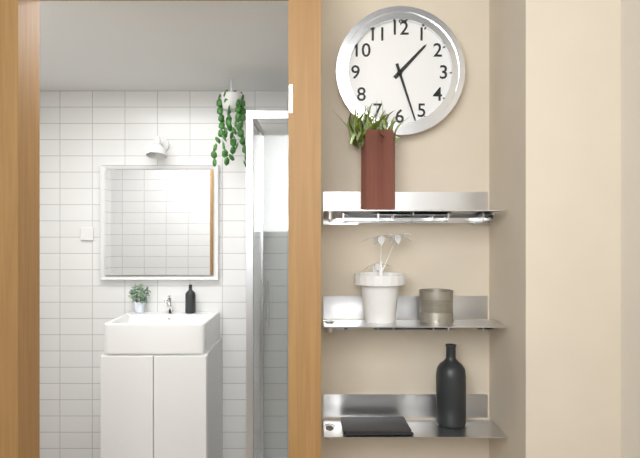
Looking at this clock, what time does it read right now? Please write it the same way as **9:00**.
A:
**1:27**
